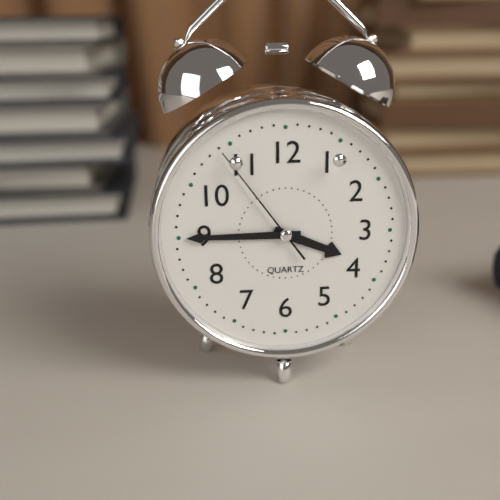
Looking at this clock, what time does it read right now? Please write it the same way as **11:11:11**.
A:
**3:45:54**
